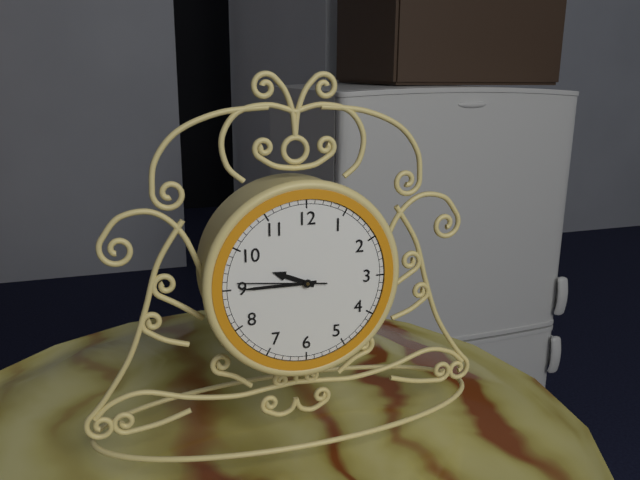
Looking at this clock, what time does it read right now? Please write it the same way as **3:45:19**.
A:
**9:45:46**
